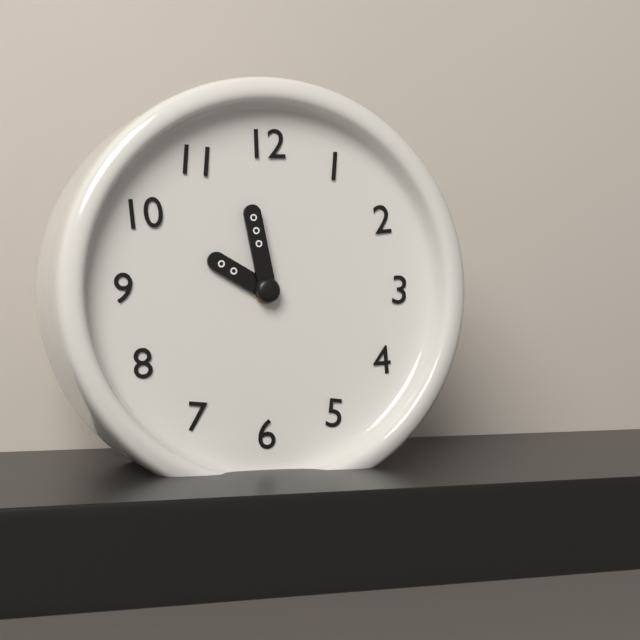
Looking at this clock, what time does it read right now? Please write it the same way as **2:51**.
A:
**9:58**
